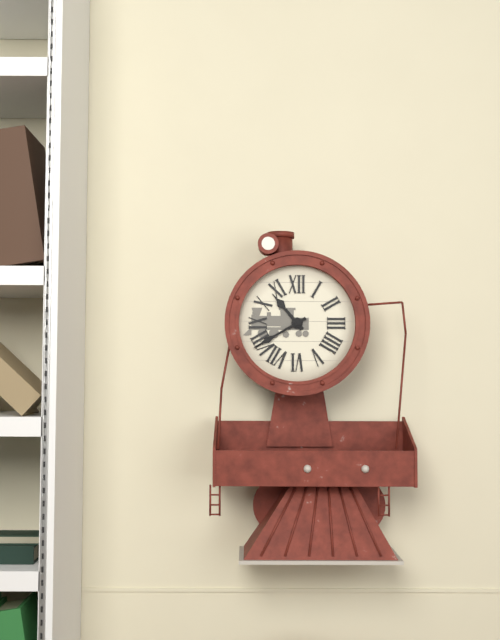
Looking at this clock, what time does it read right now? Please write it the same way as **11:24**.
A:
**10:40**
